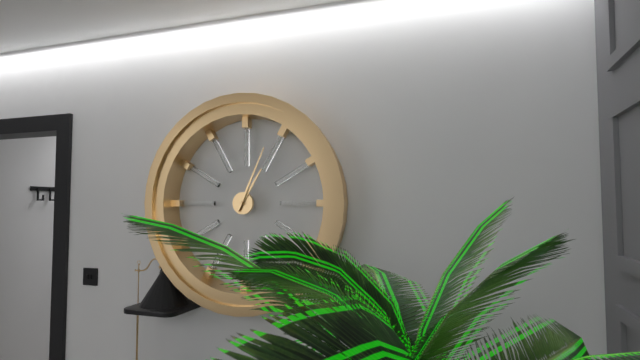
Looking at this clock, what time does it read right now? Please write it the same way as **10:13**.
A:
**1:04**
